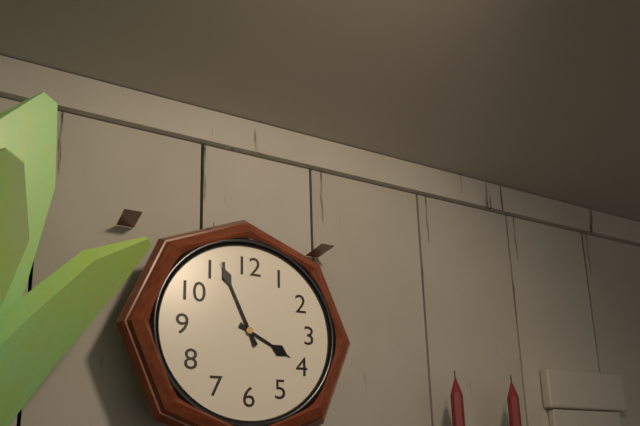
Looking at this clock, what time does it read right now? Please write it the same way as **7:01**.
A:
**3:56**
